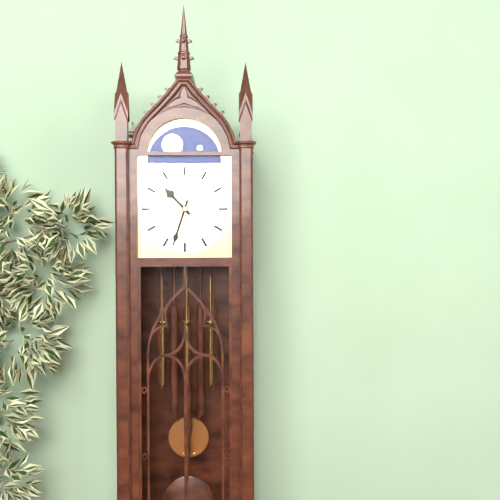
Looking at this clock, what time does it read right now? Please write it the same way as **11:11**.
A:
**10:33**
